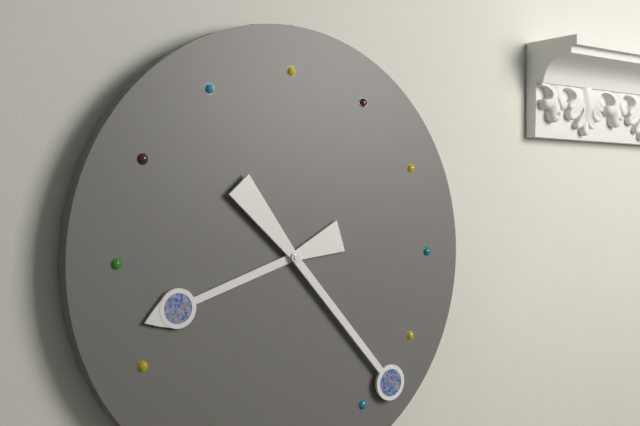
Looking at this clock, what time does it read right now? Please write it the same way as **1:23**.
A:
**8:23**
